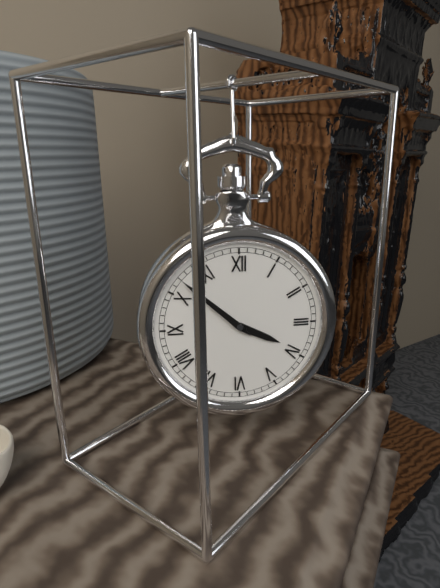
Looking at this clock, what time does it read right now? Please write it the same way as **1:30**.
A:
**3:52**
